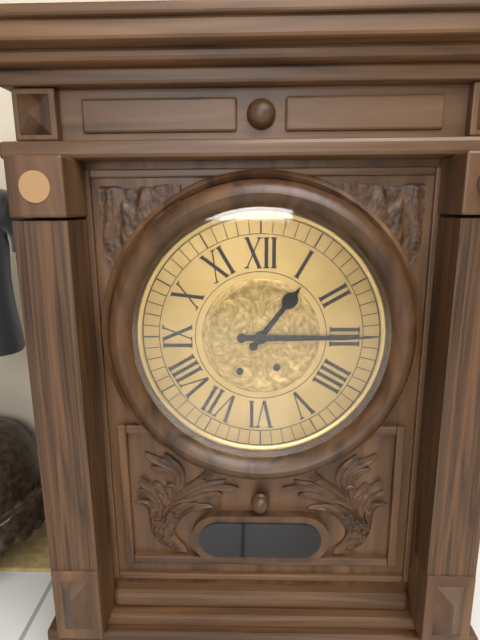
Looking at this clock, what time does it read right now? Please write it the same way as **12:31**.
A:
**1:15**
